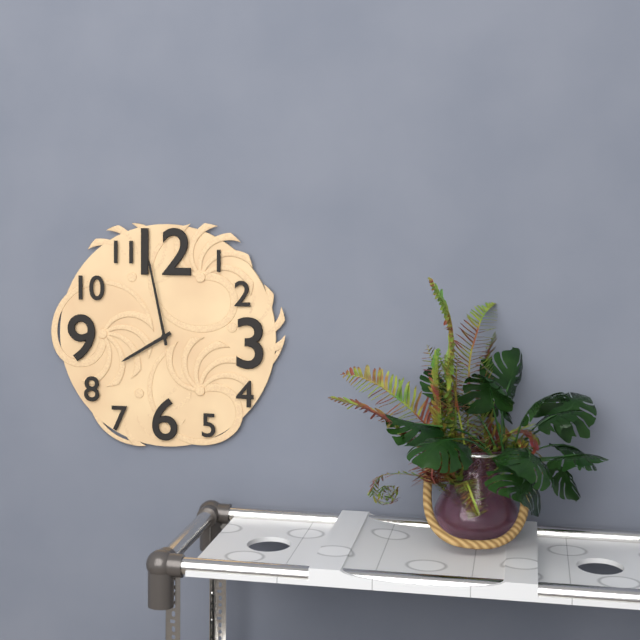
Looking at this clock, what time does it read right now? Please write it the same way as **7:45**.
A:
**7:58**
